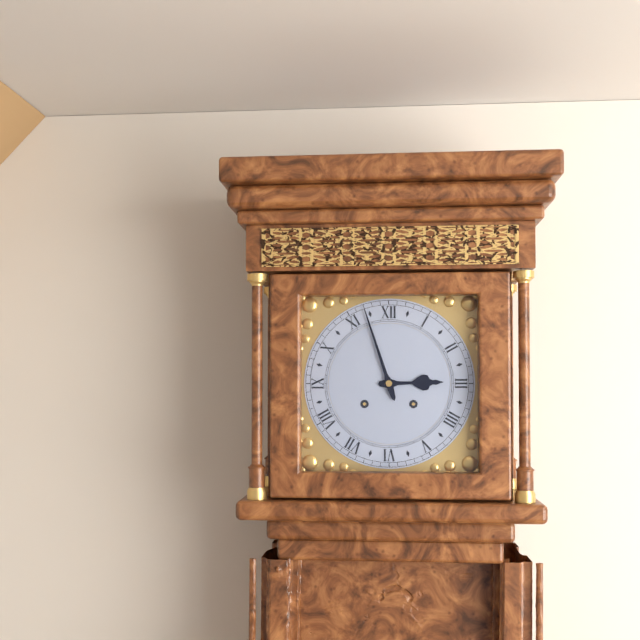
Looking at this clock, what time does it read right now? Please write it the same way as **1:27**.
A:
**2:57**
